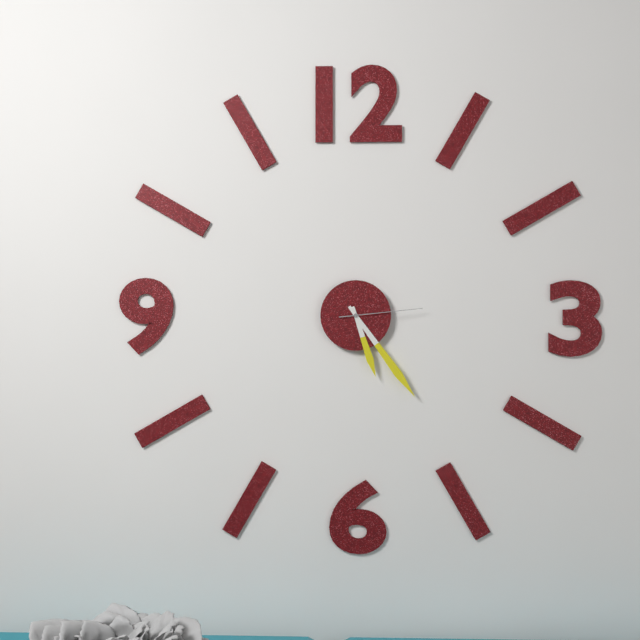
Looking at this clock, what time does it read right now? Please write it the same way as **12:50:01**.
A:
**5:24:14**
